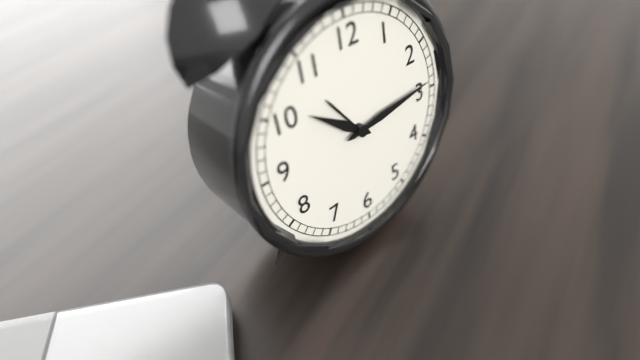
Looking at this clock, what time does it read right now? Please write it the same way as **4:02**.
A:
**10:14**
